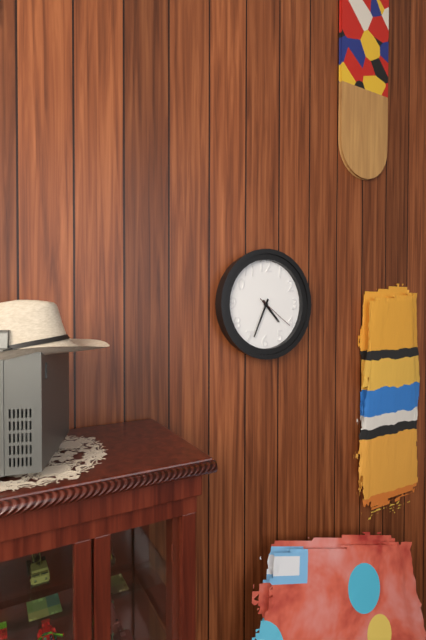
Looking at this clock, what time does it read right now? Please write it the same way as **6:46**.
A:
**4:34**
